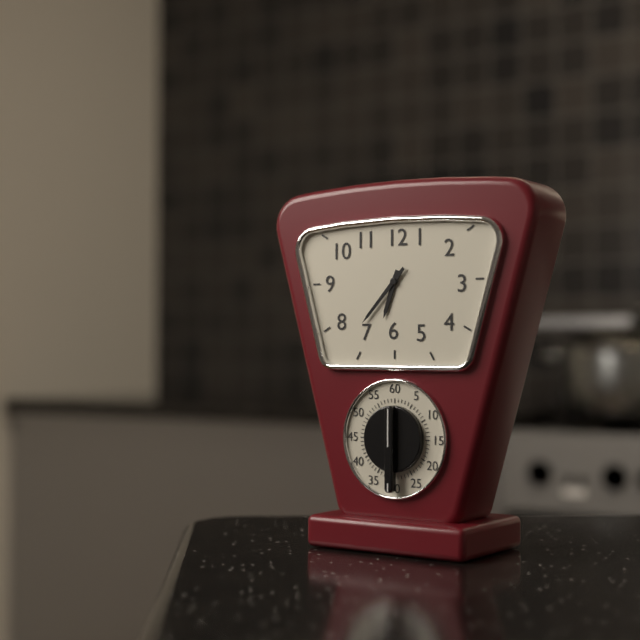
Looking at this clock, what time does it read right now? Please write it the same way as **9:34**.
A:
**6:37**
